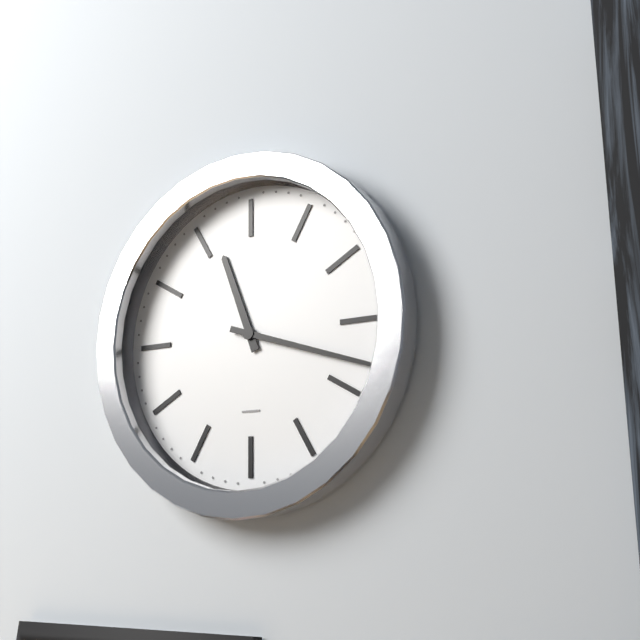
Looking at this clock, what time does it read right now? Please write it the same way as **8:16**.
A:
**11:18**
